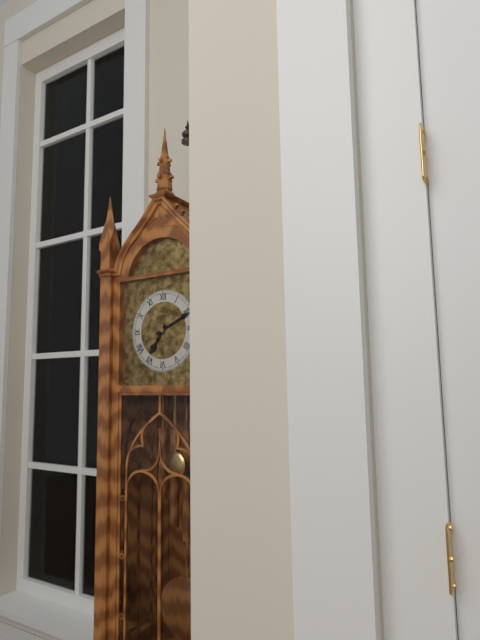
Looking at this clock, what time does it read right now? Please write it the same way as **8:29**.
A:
**7:11**
